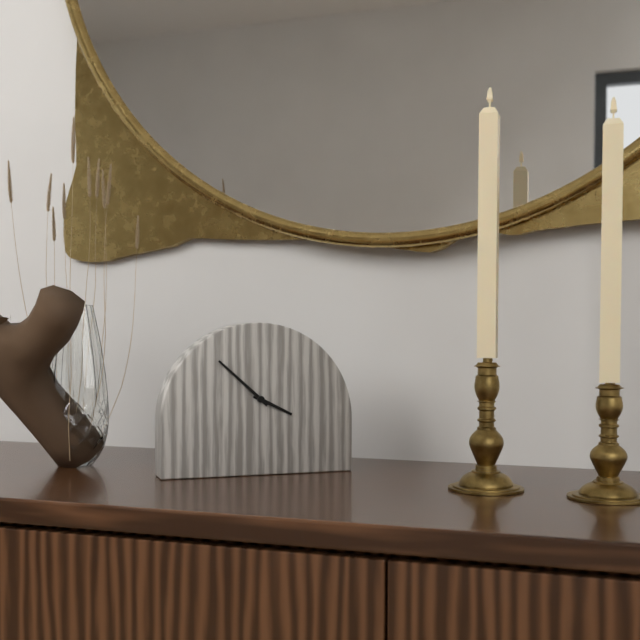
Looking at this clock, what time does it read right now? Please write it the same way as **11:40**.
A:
**3:52**
